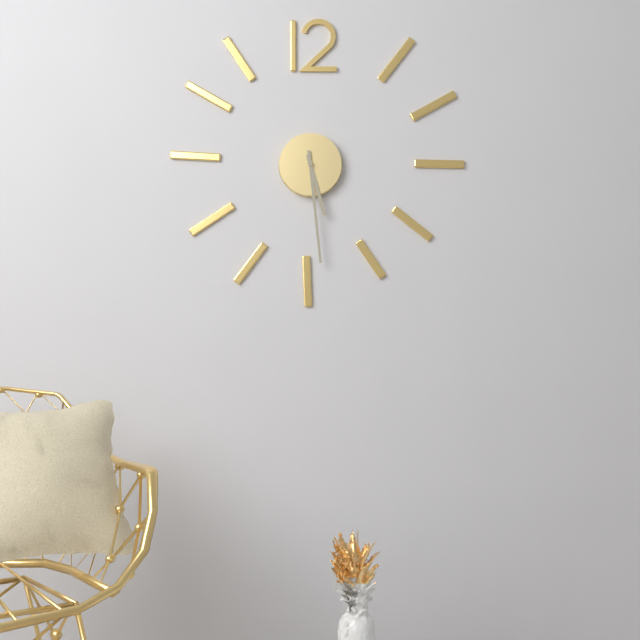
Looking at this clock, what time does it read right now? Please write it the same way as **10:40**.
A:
**5:29**
